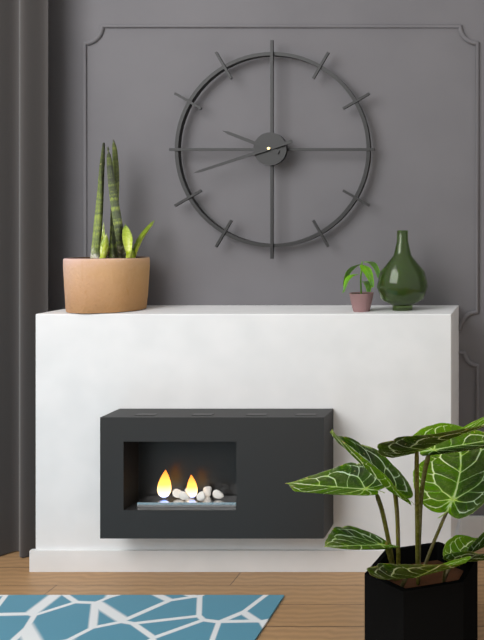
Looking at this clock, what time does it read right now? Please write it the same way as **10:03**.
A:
**9:42**
